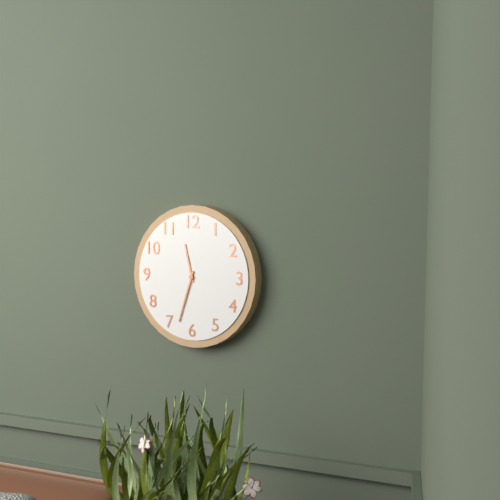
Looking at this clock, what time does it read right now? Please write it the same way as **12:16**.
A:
**11:33**
